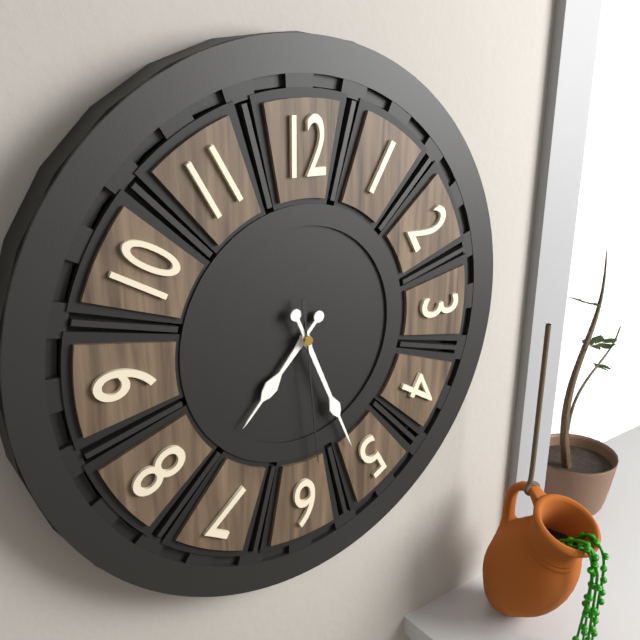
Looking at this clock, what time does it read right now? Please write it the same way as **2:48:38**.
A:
**7:26:29**
